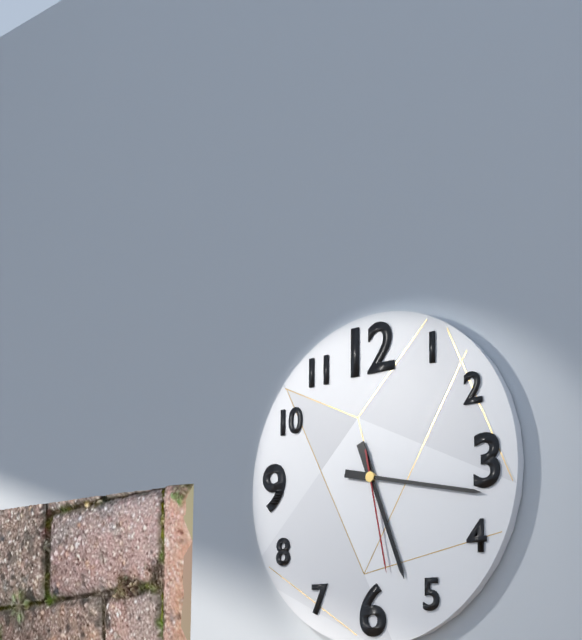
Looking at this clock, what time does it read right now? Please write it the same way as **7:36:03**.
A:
**5:17:28**
